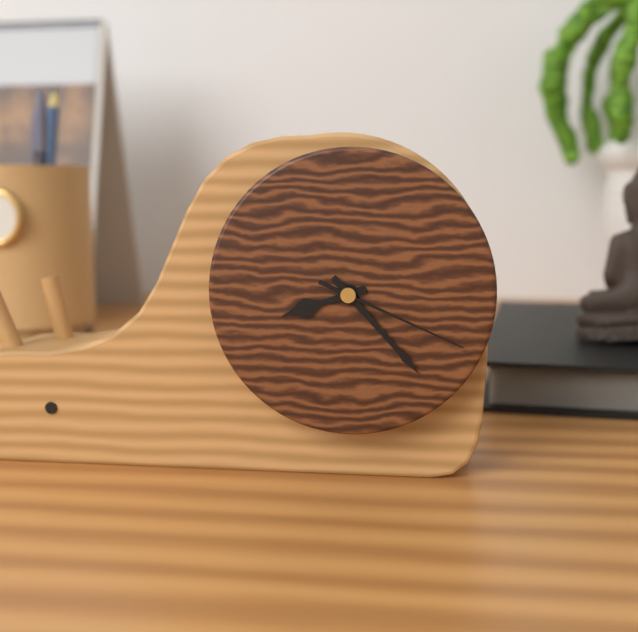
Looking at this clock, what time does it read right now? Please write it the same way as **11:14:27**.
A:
**8:23:19**
